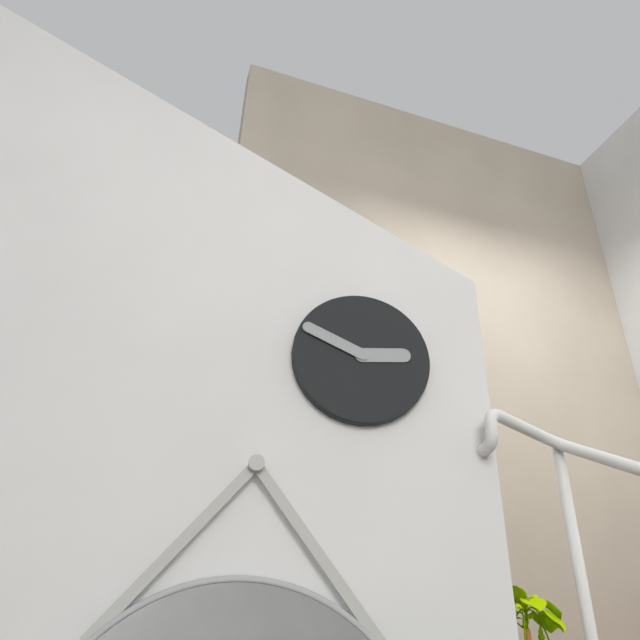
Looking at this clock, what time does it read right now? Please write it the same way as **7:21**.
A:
**2:49**
